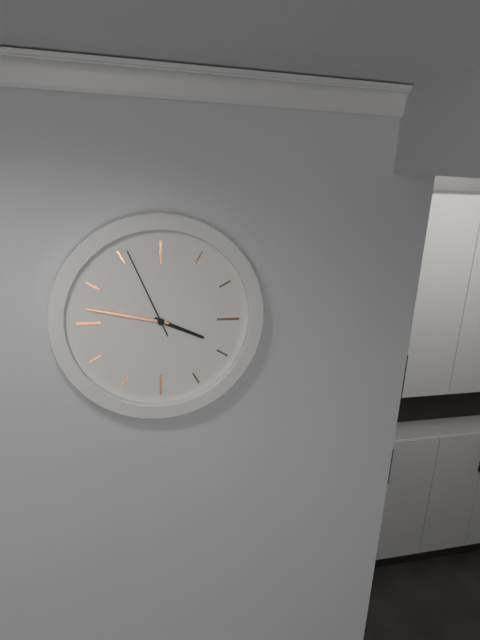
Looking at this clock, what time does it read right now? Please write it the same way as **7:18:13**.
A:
**3:47:56**
